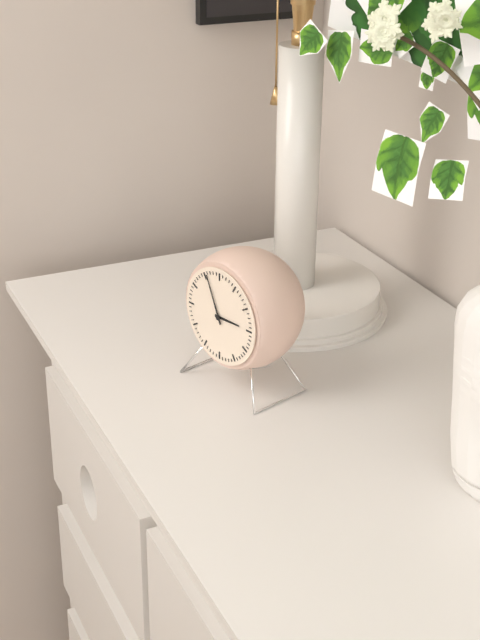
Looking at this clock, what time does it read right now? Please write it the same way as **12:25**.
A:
**2:56**
